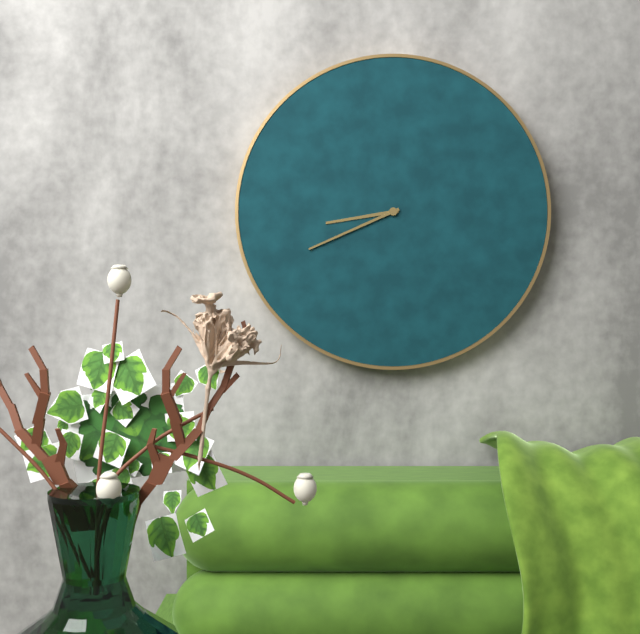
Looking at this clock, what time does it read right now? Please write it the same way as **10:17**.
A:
**8:41**
